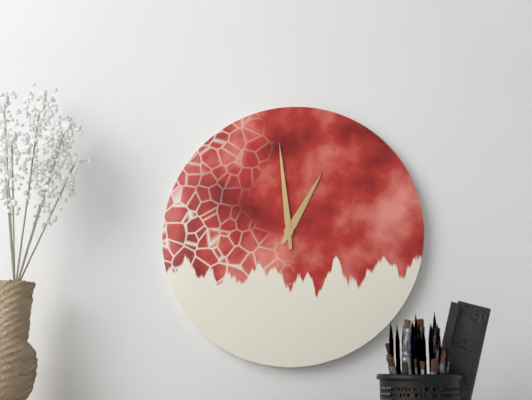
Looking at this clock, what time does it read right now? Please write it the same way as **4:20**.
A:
**12:59**
